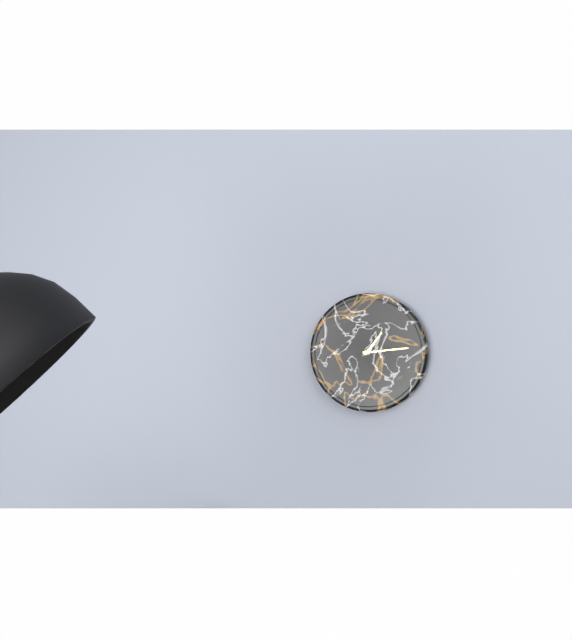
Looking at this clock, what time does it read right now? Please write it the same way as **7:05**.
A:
**1:14**
